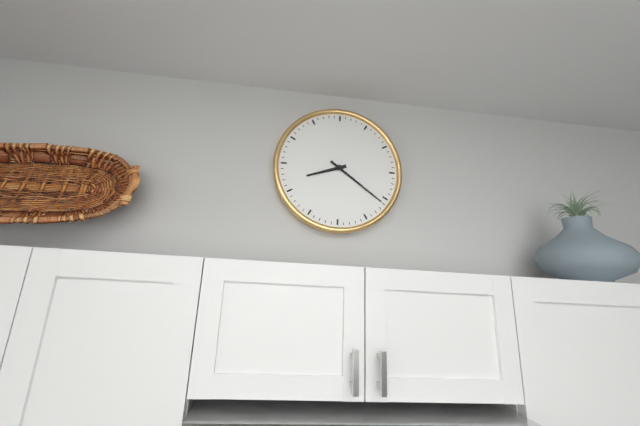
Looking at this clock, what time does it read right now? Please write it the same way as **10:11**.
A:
**8:21**
